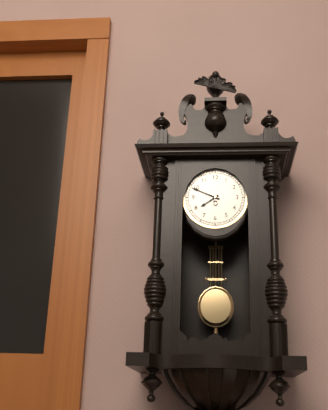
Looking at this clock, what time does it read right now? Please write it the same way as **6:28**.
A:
**7:49**
